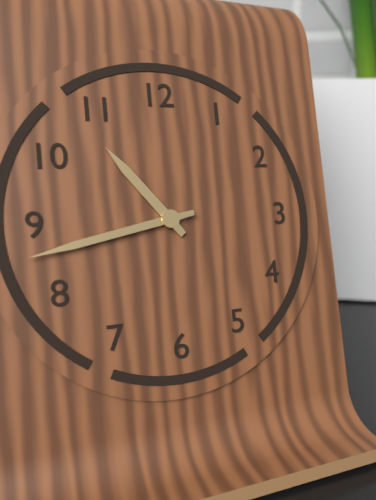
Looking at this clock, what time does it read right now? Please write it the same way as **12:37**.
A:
**10:43**
